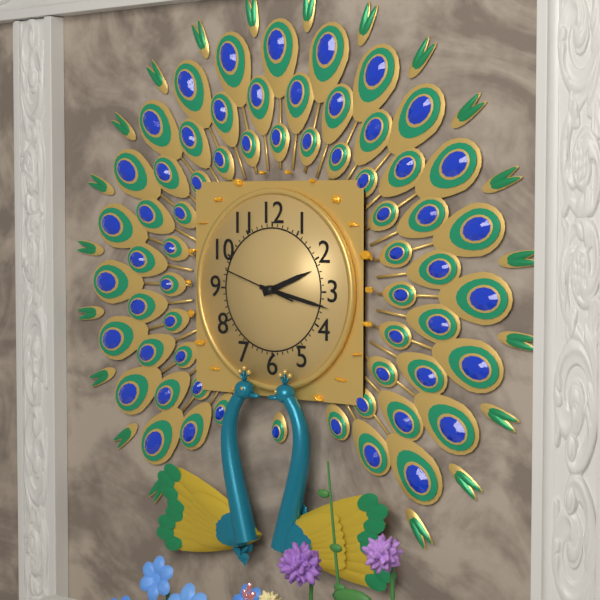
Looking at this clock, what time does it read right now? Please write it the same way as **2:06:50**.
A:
**2:17:48**
